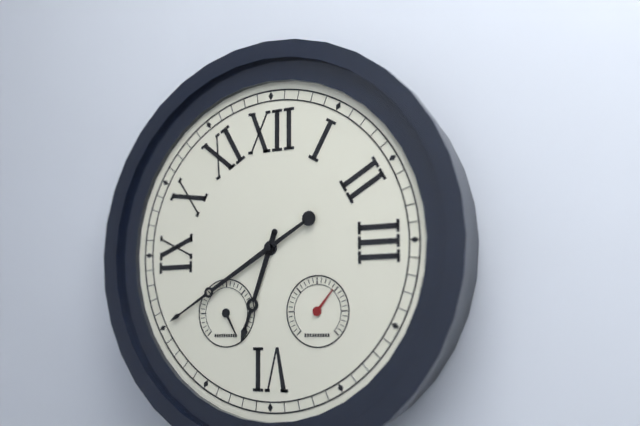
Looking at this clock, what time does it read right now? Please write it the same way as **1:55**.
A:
**6:40**
